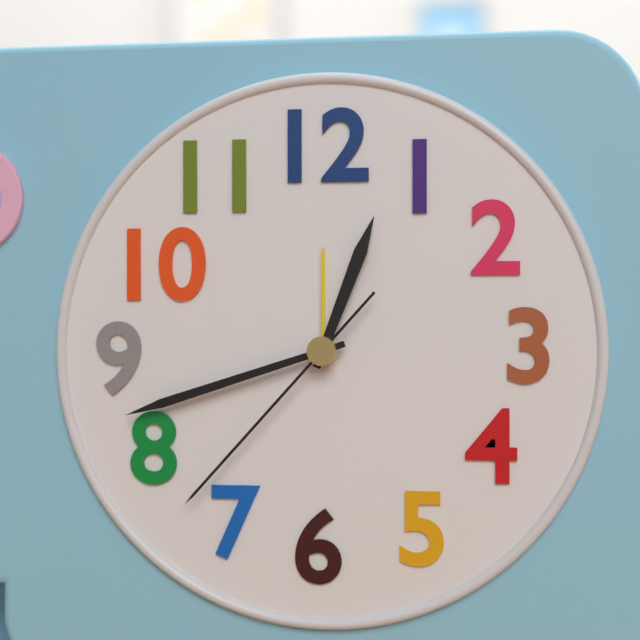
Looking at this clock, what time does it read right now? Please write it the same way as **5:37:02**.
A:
**12:42:37**
